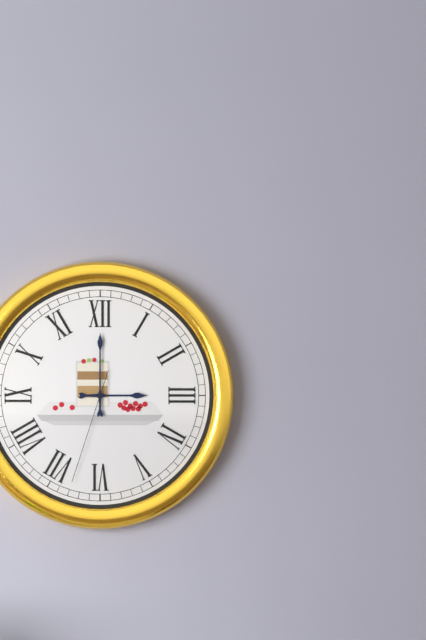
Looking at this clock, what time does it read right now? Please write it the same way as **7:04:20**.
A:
**3:00:33**
